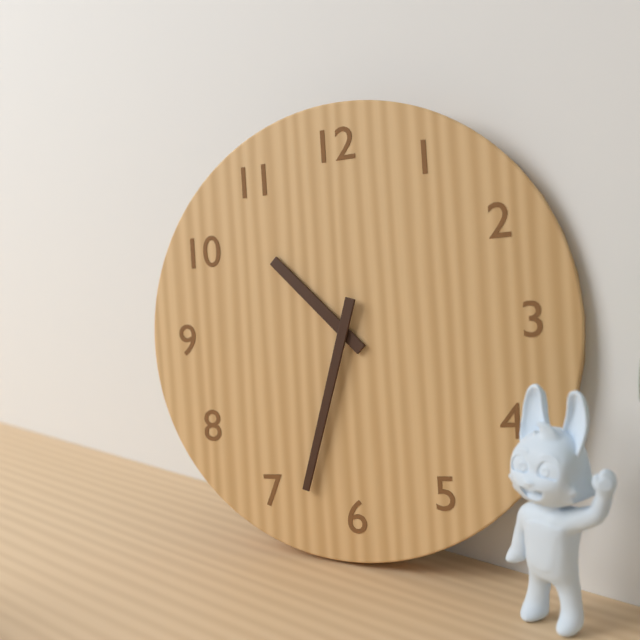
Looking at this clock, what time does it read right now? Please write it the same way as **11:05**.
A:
**10:33**
